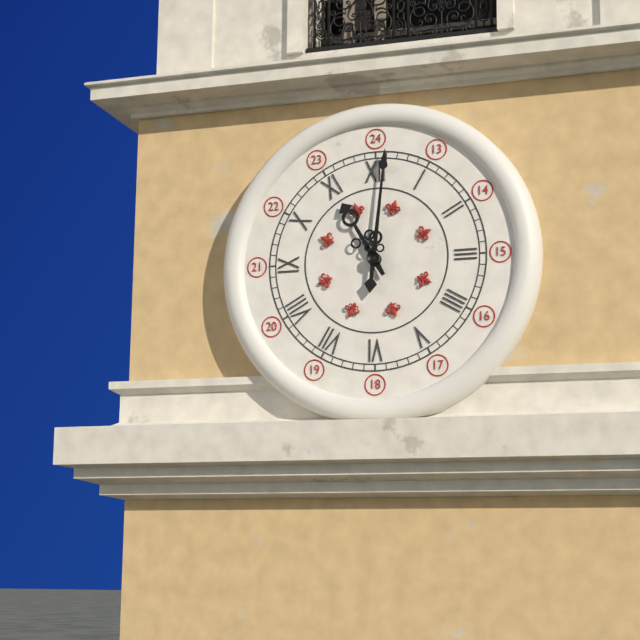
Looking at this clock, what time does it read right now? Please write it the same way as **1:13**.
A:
**11:01**
